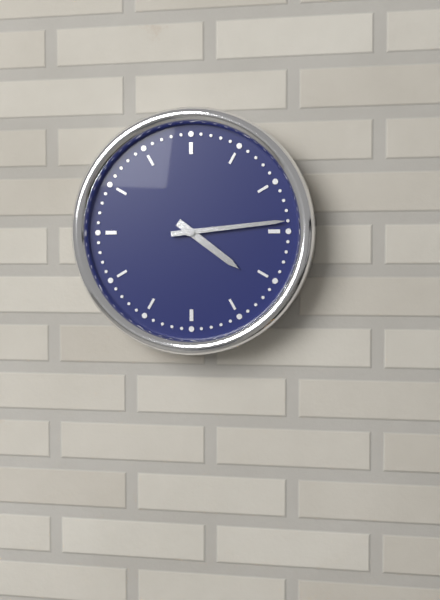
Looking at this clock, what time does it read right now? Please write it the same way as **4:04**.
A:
**4:14**
